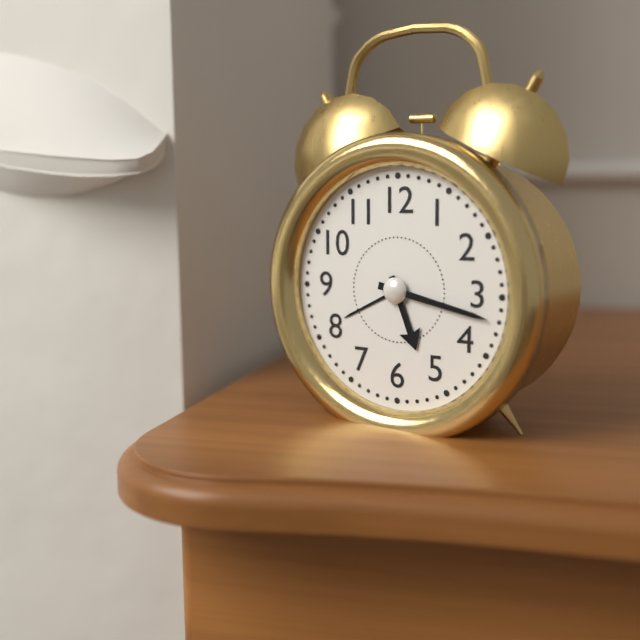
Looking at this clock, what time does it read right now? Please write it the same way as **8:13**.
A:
**5:17**
